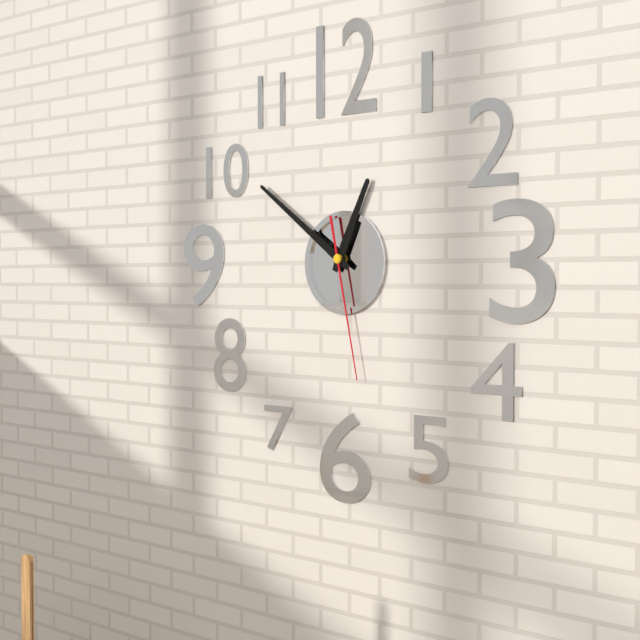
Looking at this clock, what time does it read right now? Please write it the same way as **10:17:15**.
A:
**12:51:28**
